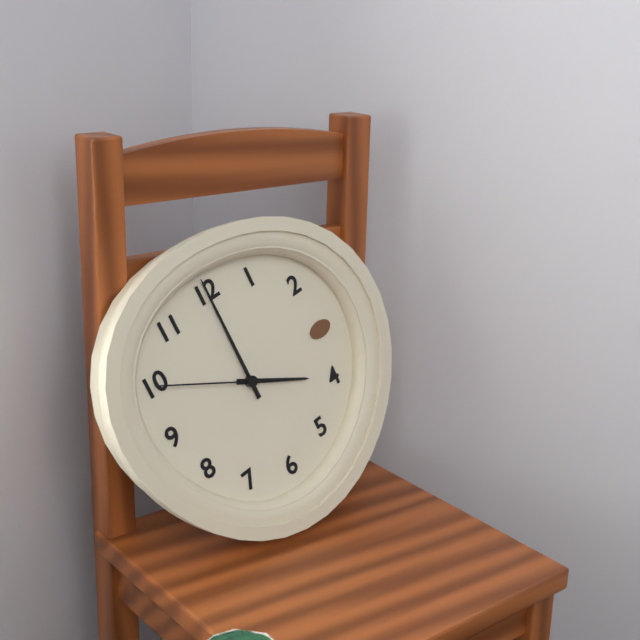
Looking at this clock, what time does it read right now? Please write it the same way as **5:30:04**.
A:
**4:00:50**
